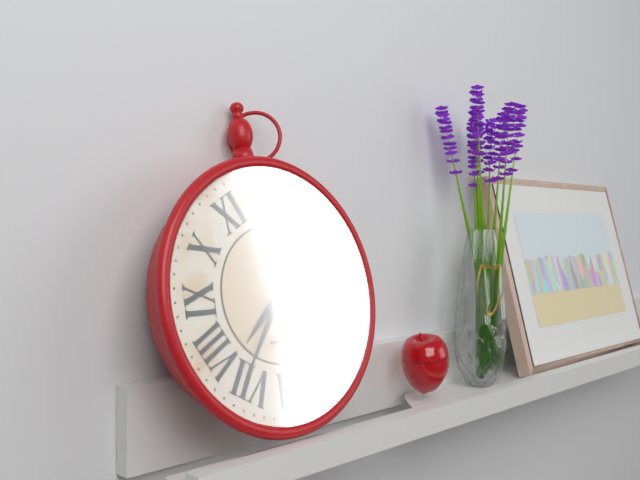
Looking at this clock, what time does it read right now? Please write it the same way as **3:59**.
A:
**7:36**
